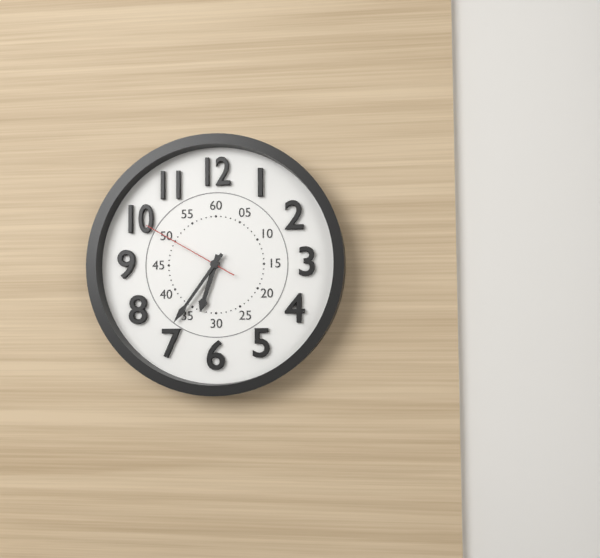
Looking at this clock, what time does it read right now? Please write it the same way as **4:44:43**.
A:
**6:36:50**
